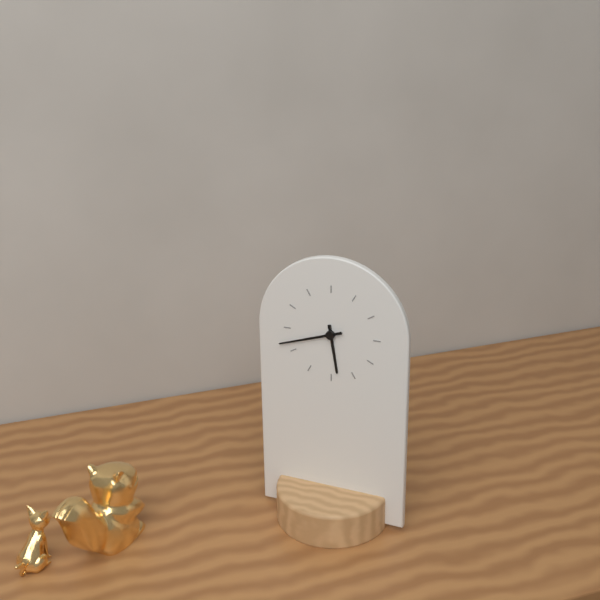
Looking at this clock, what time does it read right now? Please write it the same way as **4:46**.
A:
**5:42**
